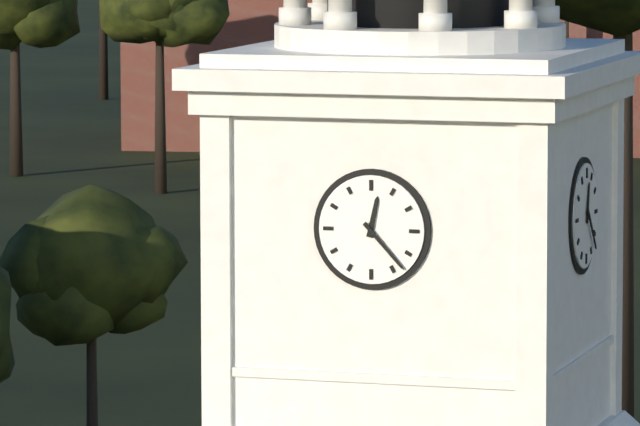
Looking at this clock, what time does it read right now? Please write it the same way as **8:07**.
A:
**12:23**
